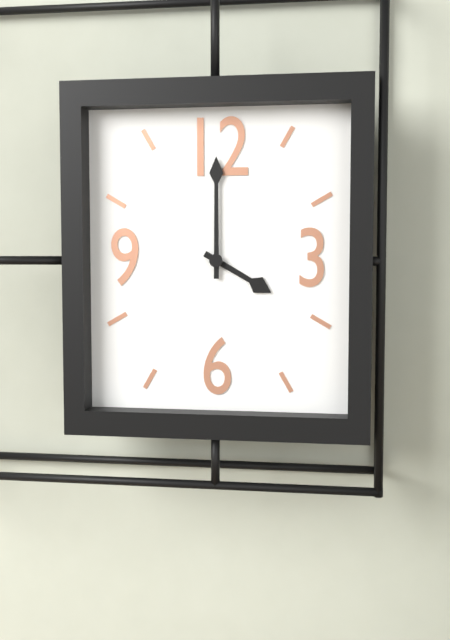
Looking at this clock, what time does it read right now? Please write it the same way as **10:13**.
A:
**4:00**
